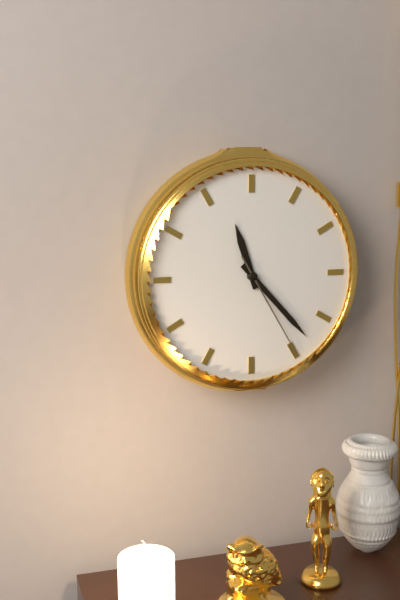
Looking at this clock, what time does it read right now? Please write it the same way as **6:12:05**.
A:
**11:23:25**
